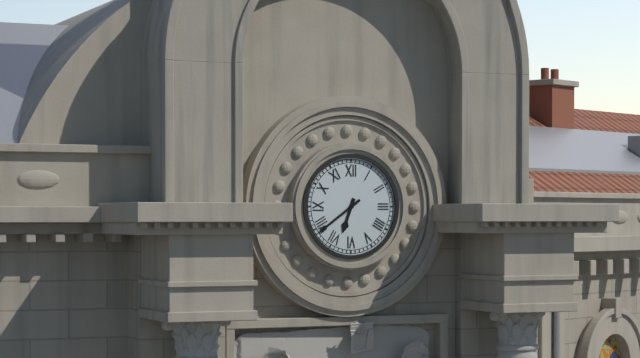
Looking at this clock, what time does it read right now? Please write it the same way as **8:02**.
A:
**6:39**
